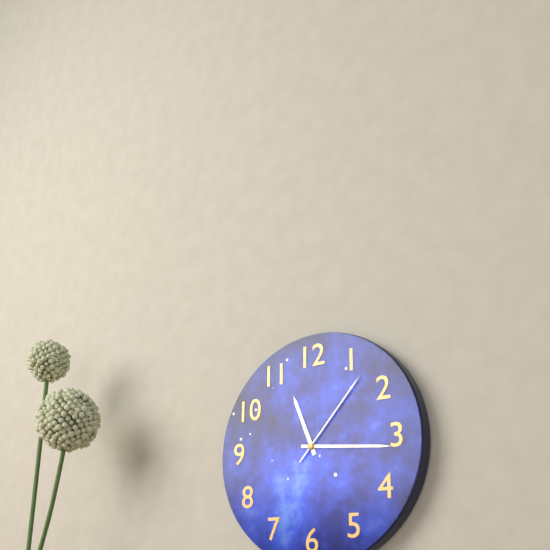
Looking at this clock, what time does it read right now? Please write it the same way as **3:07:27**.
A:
**11:16:07**
